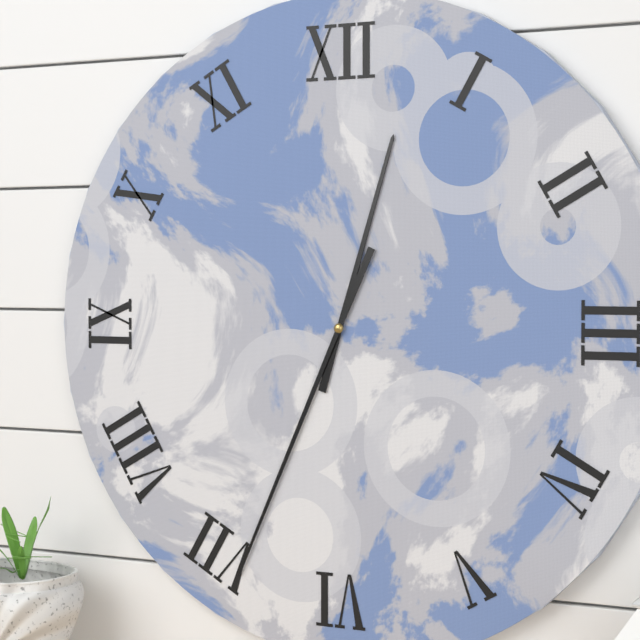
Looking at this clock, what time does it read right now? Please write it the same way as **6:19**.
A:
**12:34**
